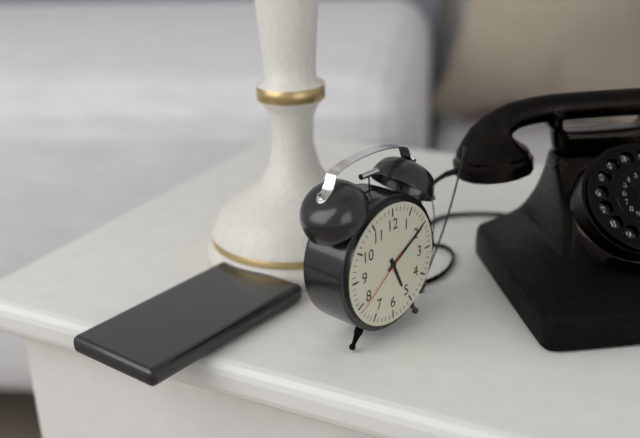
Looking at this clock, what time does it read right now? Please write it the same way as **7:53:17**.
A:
**5:10:39**
